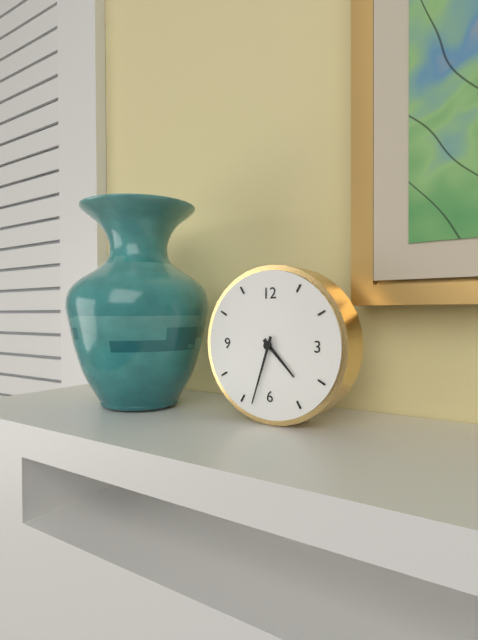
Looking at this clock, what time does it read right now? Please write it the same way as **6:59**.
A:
**4:33**
